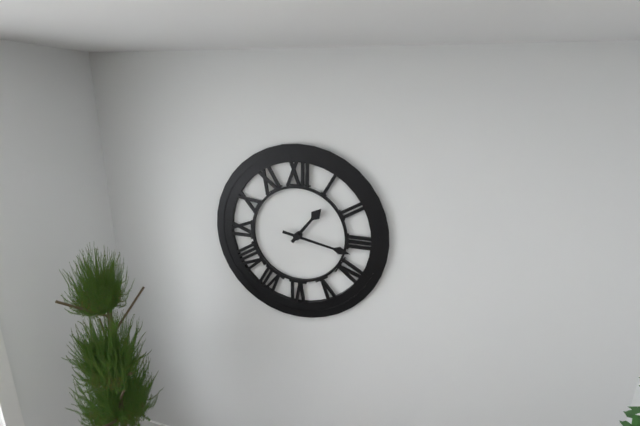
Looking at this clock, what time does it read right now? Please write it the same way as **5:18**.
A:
**1:17**
